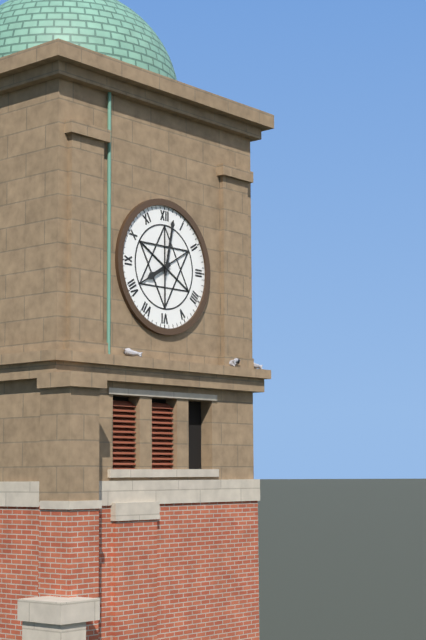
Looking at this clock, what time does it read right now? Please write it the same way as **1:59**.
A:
**8:02**
